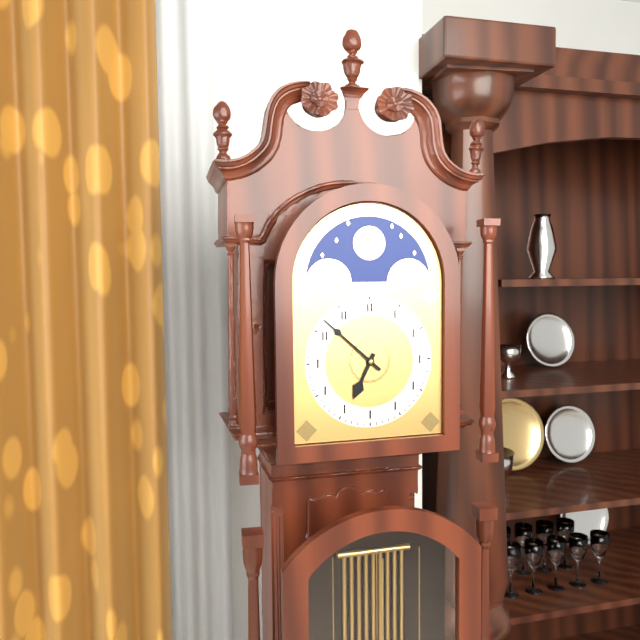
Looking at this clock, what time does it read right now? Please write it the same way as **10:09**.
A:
**6:52**
